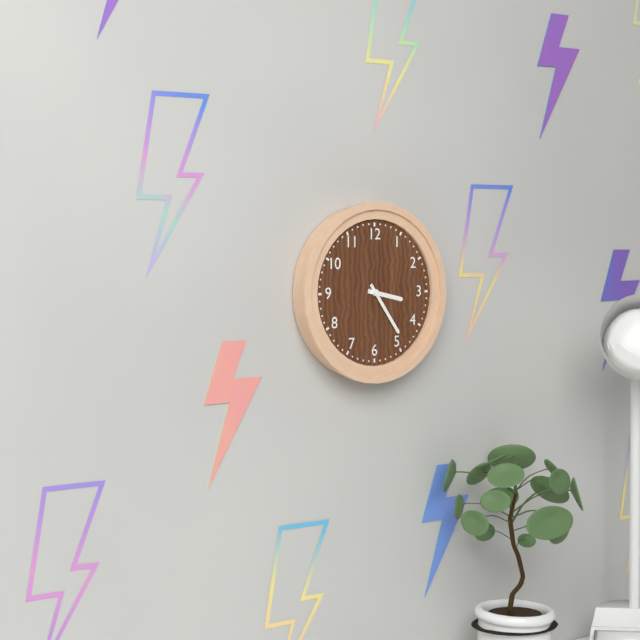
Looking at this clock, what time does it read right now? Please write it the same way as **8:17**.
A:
**3:24**
